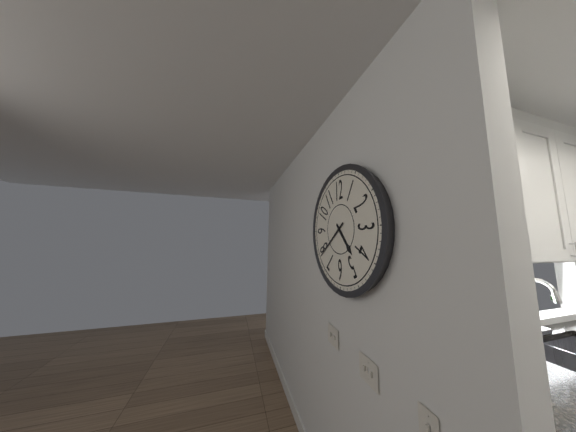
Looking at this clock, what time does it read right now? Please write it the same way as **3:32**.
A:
**4:39**
